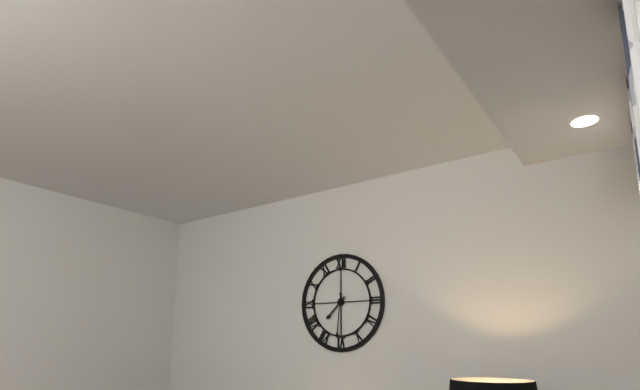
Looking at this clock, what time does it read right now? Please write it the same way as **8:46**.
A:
**7:31**
